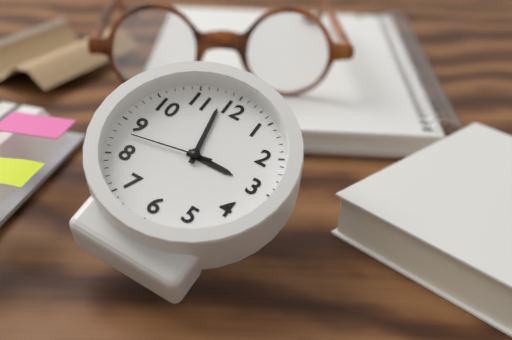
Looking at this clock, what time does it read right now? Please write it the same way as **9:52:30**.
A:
**2:58:43**
